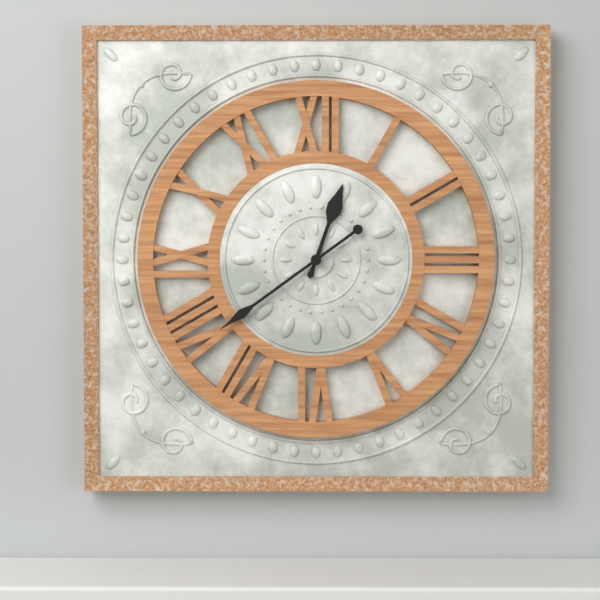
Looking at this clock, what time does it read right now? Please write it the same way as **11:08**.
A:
**12:39**
